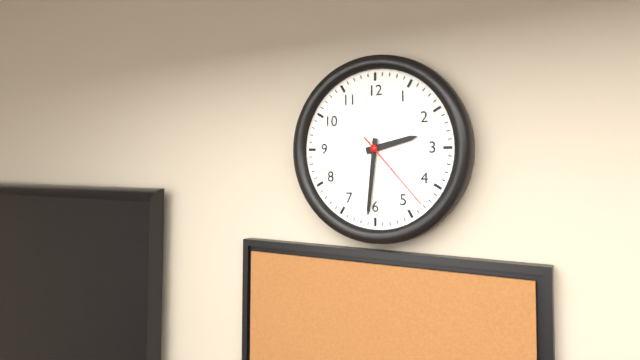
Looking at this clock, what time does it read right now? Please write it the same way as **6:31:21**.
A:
**2:31:23**
